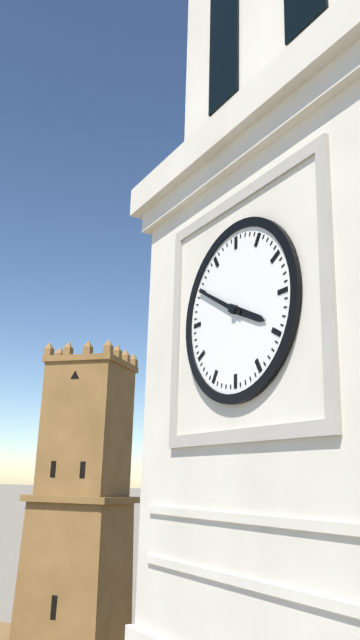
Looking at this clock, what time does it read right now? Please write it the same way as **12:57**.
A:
**3:50**
